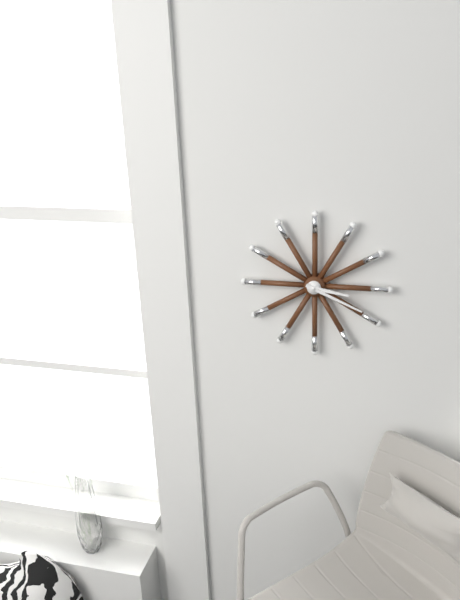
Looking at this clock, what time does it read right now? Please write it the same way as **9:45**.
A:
**3:19**
